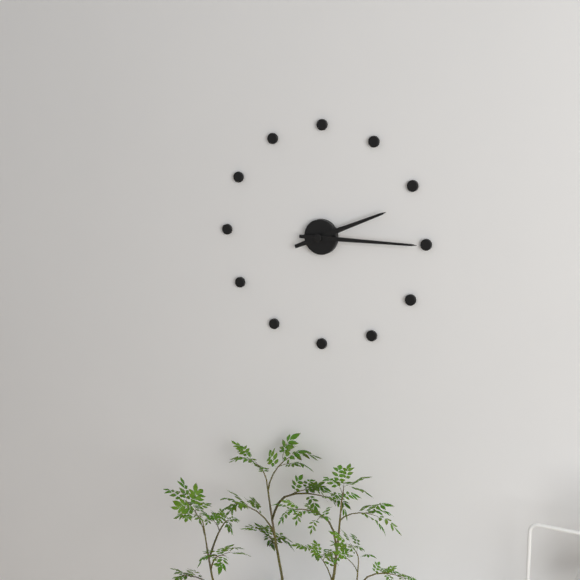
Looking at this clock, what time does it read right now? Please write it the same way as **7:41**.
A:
**2:15**
